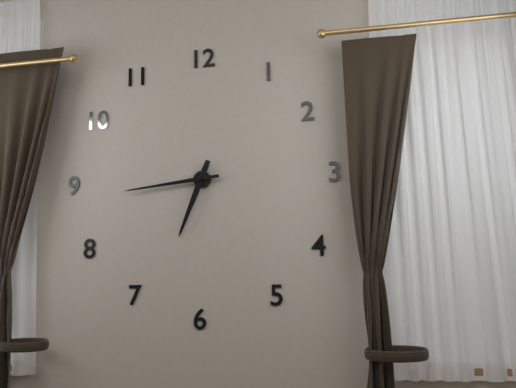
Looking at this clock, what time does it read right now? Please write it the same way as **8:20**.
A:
**6:44**
